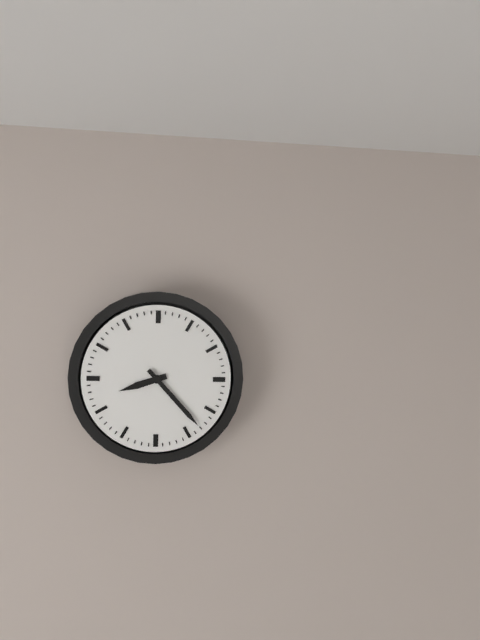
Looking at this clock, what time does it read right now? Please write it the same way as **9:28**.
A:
**8:23**
